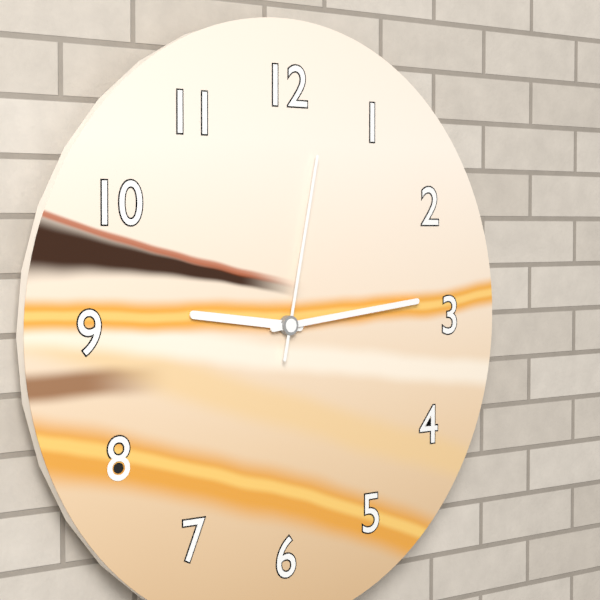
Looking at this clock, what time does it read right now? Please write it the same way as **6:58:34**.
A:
**9:14:02**
